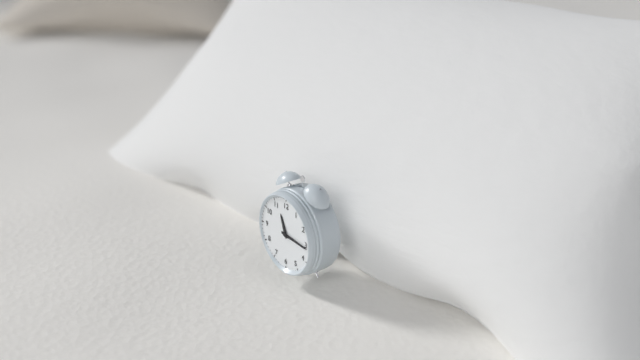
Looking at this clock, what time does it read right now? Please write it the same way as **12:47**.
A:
**11:16**
